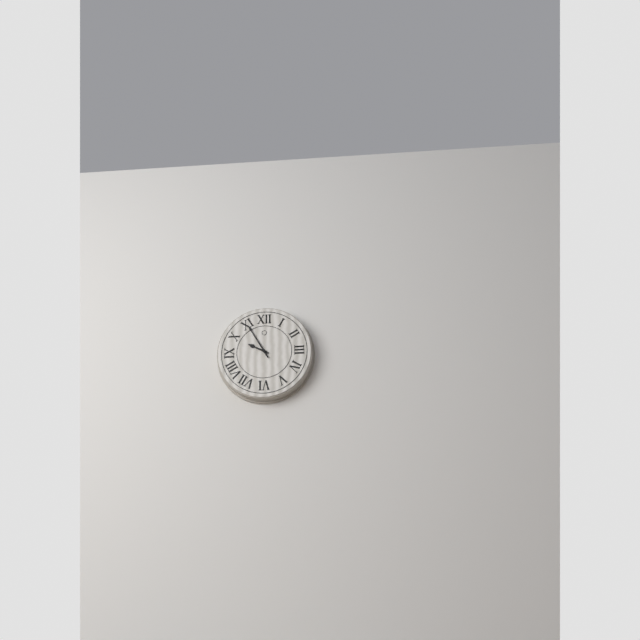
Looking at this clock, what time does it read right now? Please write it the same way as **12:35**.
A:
**9:55**
